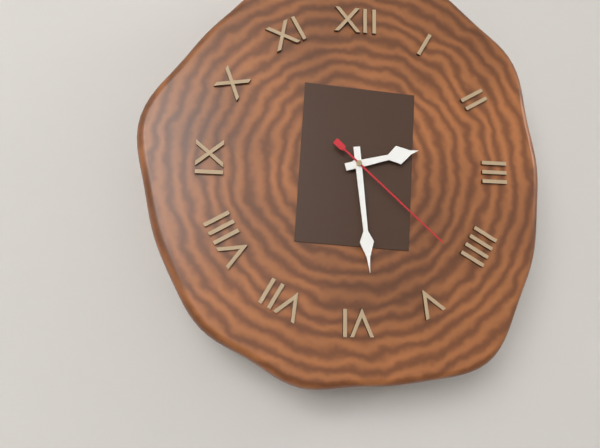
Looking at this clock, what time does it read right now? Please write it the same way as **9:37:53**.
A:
**2:29:22**
